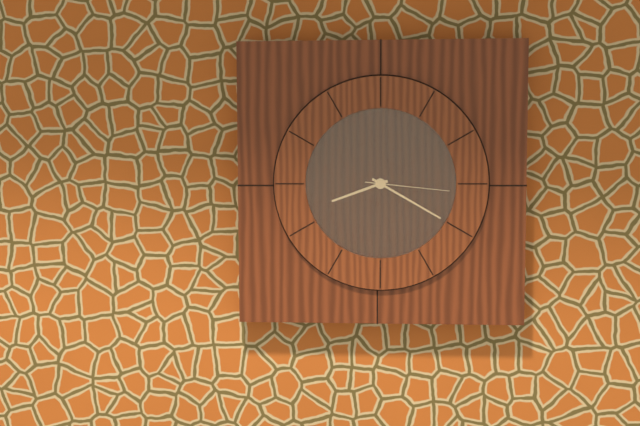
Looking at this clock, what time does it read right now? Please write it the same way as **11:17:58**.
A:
**8:20:16**
